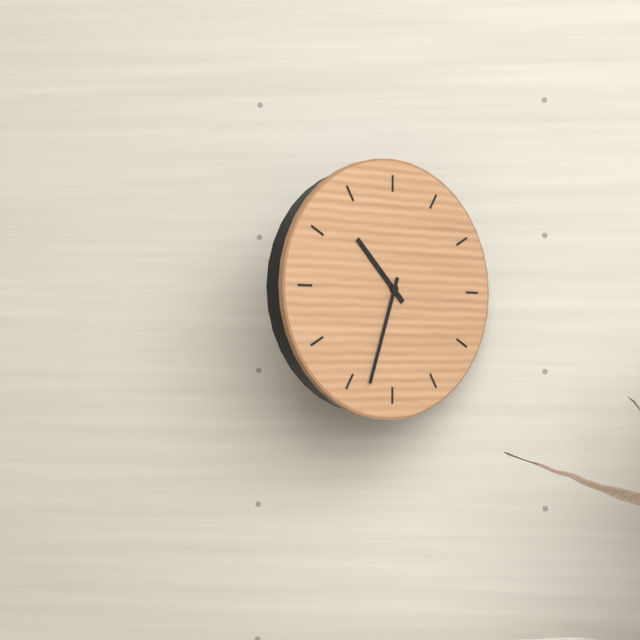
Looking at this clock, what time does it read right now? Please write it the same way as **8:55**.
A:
**10:33**
